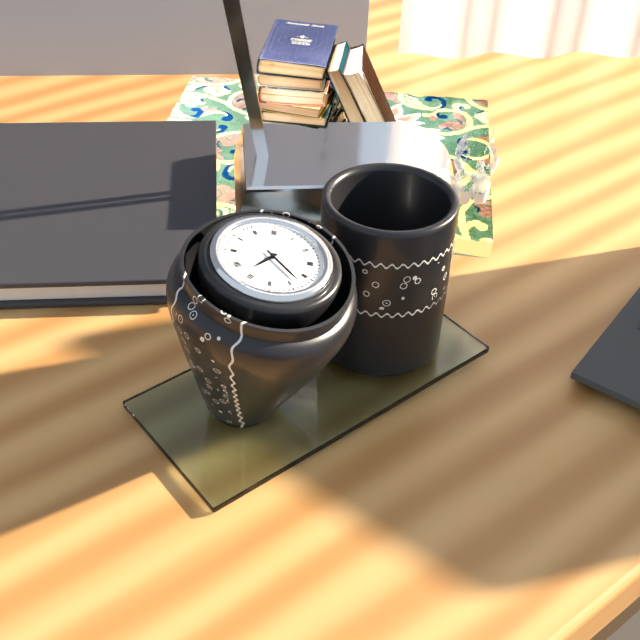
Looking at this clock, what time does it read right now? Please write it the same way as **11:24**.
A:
**7:23**
